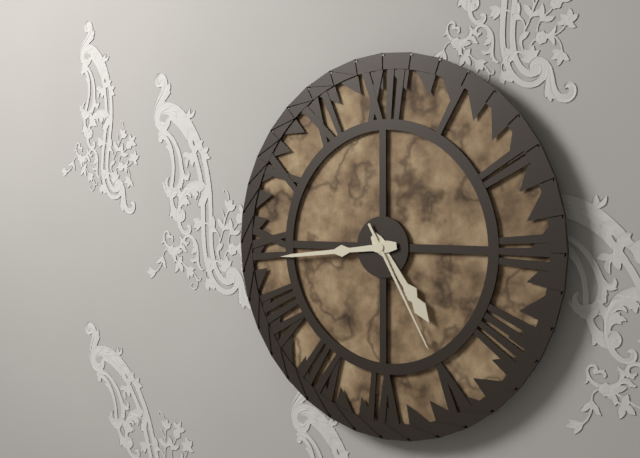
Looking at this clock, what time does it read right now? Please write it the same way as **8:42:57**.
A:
**4:44:25**
